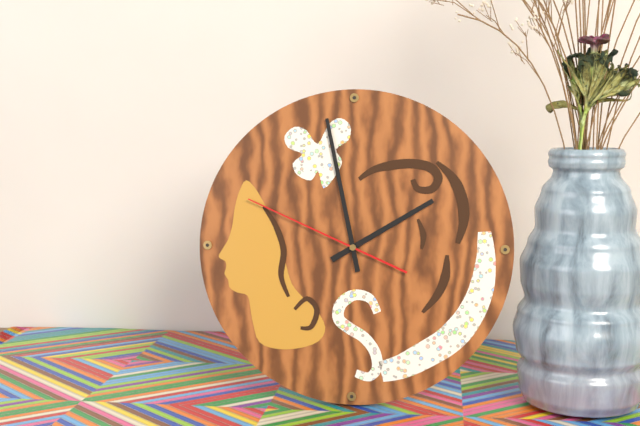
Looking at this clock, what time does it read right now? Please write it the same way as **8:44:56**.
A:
**1:58:49**
